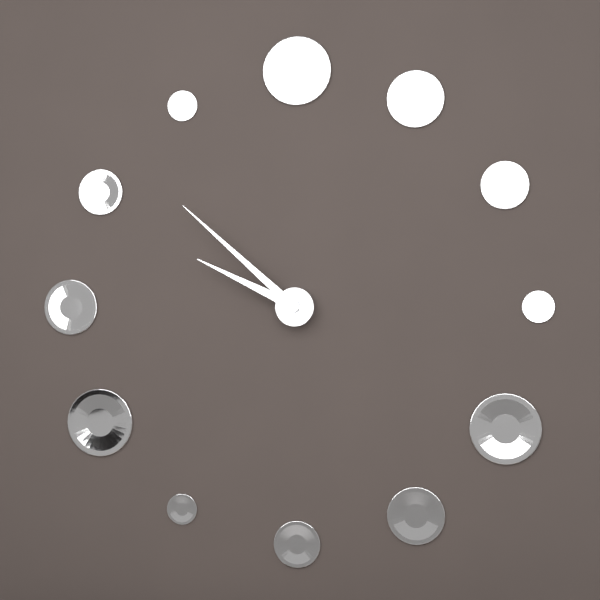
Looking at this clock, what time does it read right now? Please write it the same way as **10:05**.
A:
**9:52**
